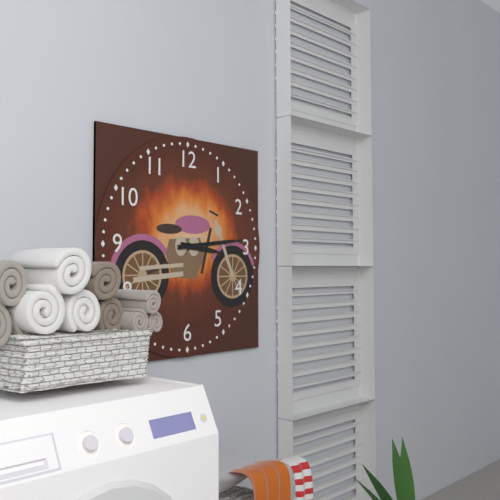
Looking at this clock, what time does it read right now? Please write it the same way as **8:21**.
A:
**3:14**
